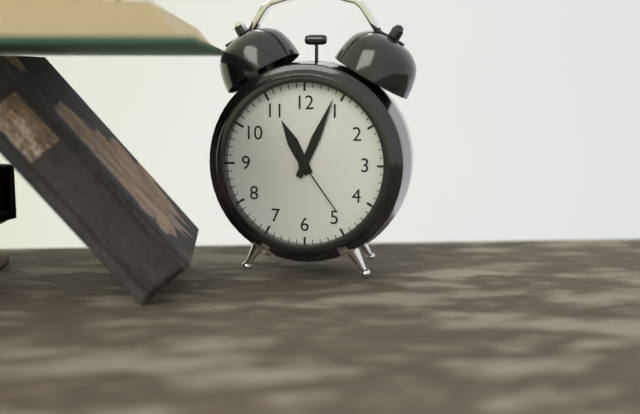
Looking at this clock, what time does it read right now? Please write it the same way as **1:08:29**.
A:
**11:04:24**
